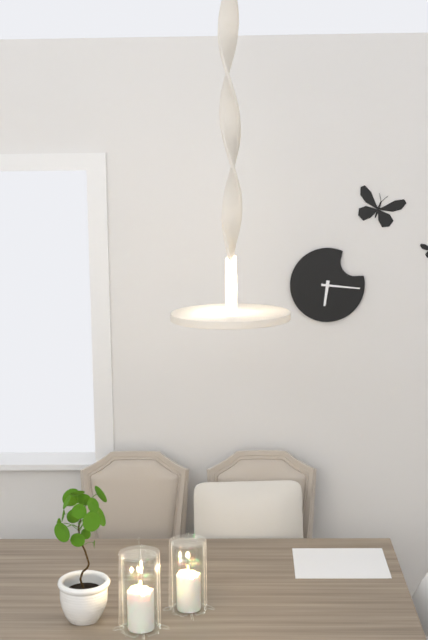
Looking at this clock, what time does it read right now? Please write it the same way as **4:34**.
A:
**6:16**
